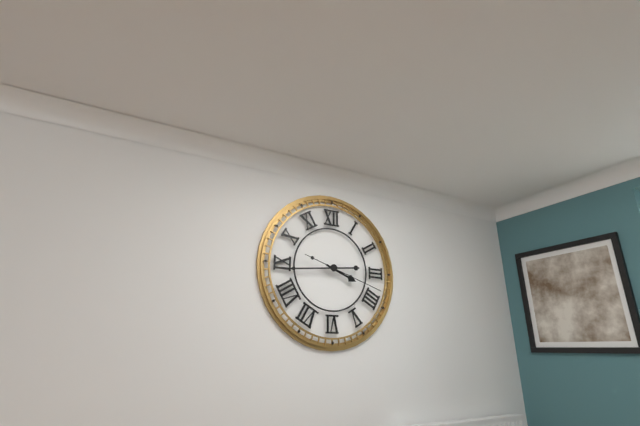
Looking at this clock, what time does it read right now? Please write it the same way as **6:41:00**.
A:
**3:44:18**
